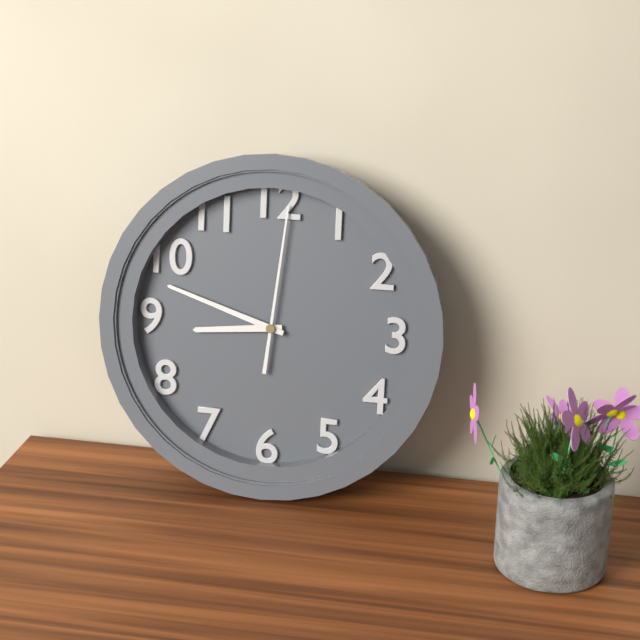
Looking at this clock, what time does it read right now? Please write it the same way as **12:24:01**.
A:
**8:48:01**
